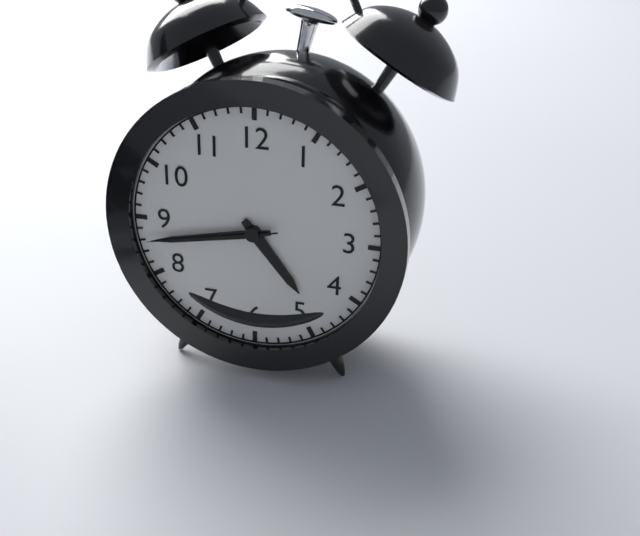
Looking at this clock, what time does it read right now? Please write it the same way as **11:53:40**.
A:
**4:43:43**
